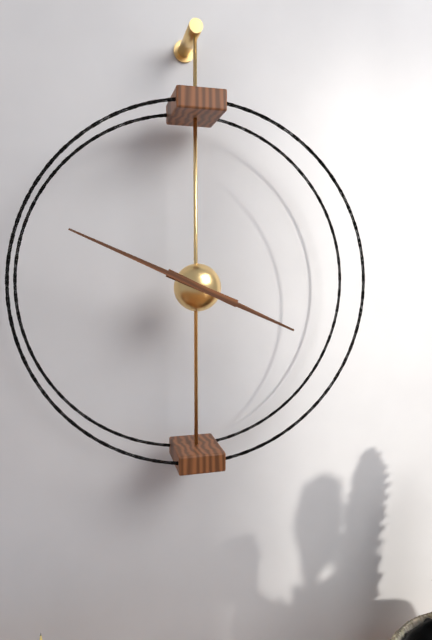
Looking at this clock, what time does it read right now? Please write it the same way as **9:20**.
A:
**3:49**
